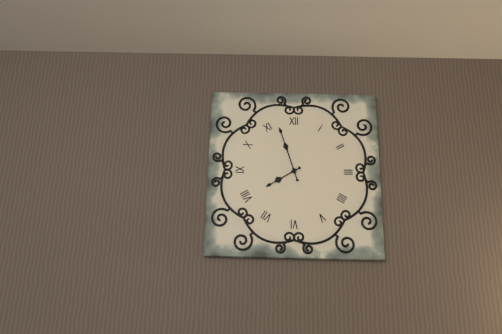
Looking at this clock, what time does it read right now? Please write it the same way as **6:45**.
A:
**7:57**
